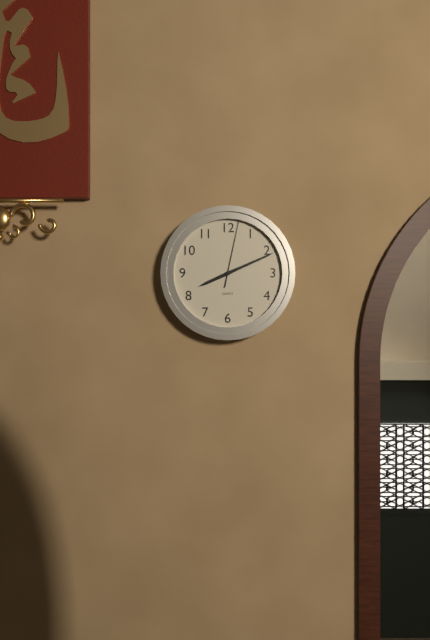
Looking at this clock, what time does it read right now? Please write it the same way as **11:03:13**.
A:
**8:11:02**
